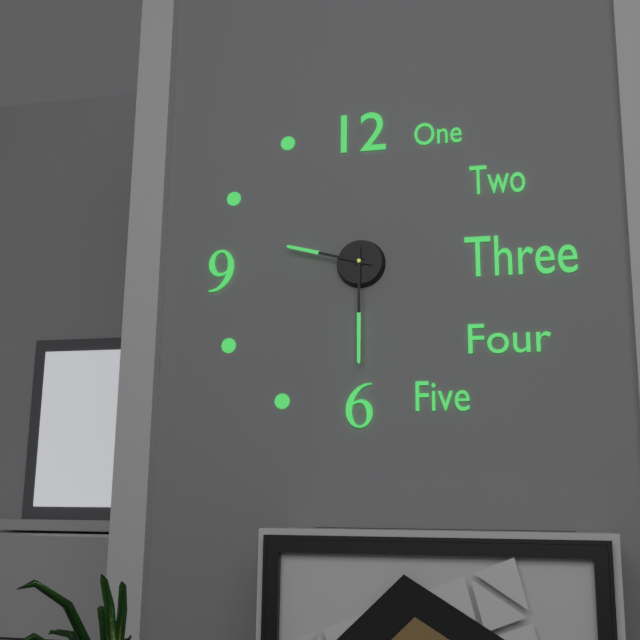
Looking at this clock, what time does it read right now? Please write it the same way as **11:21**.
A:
**9:30**
